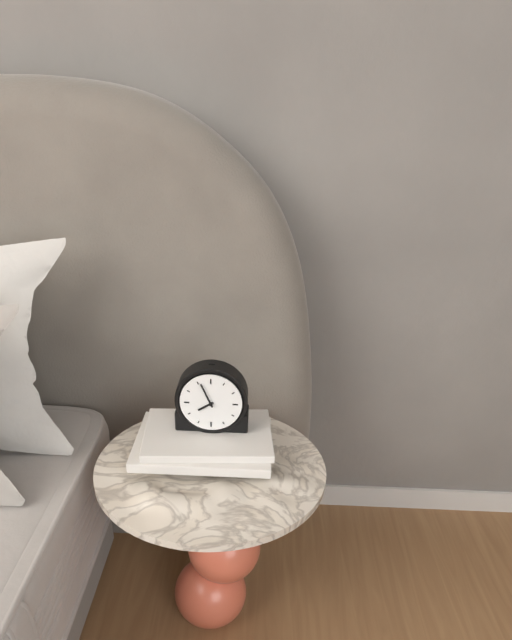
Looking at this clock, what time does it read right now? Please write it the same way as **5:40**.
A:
**7:56**
